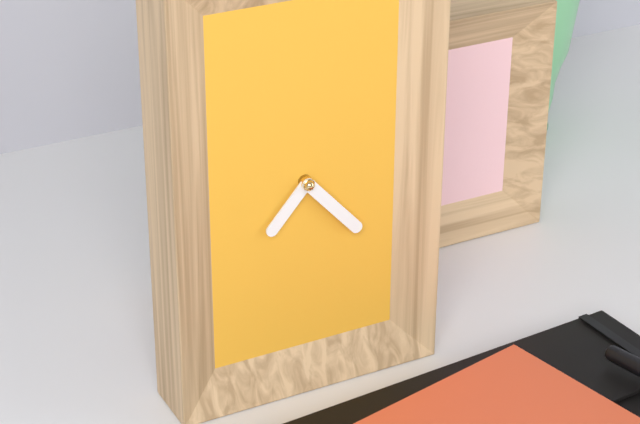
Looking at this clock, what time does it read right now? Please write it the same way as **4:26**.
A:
**7:23**
